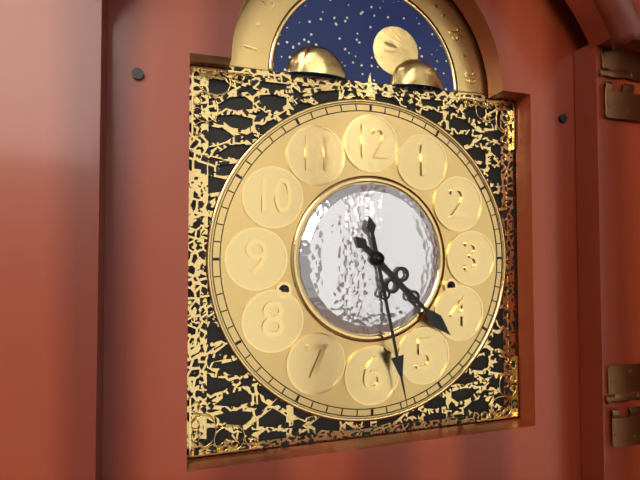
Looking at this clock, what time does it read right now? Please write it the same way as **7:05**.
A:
**4:28**
